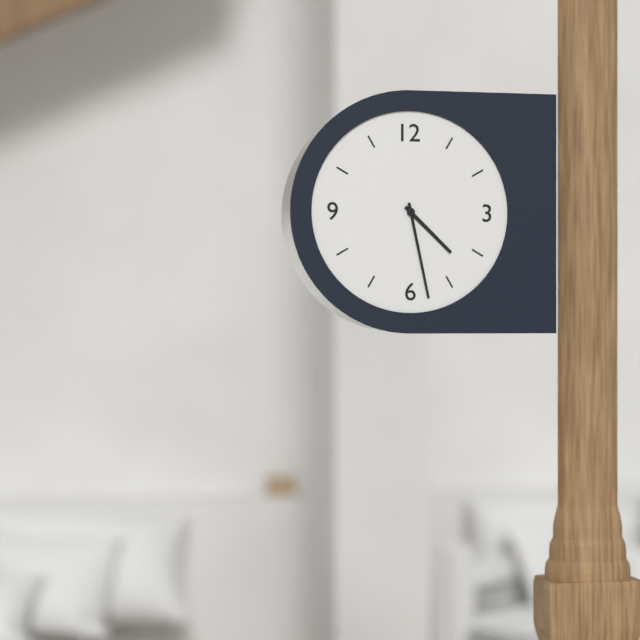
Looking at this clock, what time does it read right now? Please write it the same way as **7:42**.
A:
**4:28**
